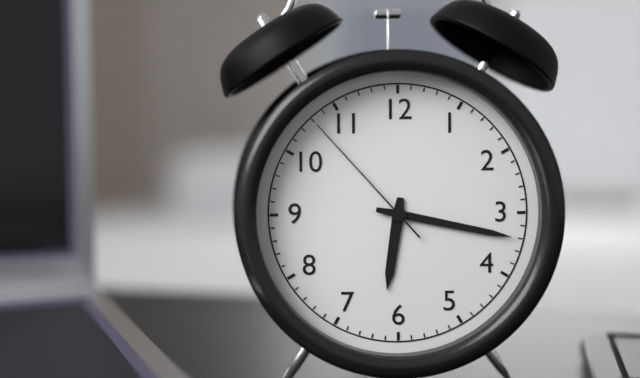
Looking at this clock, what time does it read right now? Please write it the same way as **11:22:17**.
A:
**6:17:53**
